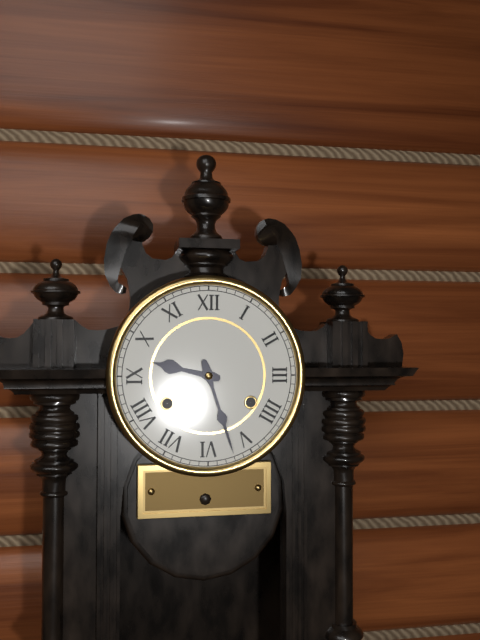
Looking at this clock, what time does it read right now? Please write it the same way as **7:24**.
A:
**9:27**
